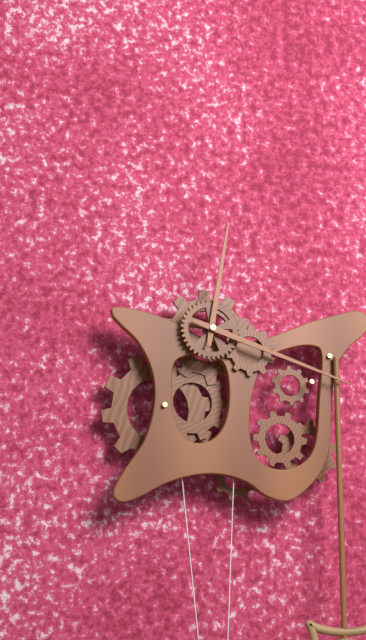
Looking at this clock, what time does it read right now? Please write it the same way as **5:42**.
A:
**12:18**
